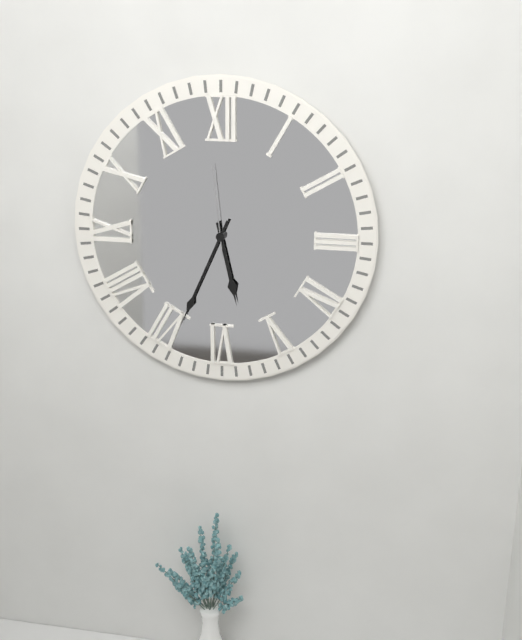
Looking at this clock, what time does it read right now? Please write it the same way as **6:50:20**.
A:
**5:34:59**
